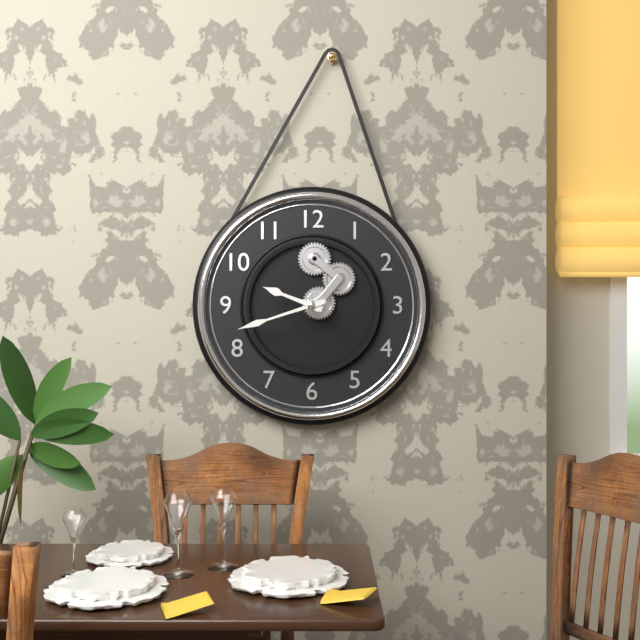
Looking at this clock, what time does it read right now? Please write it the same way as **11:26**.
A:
**9:42**
